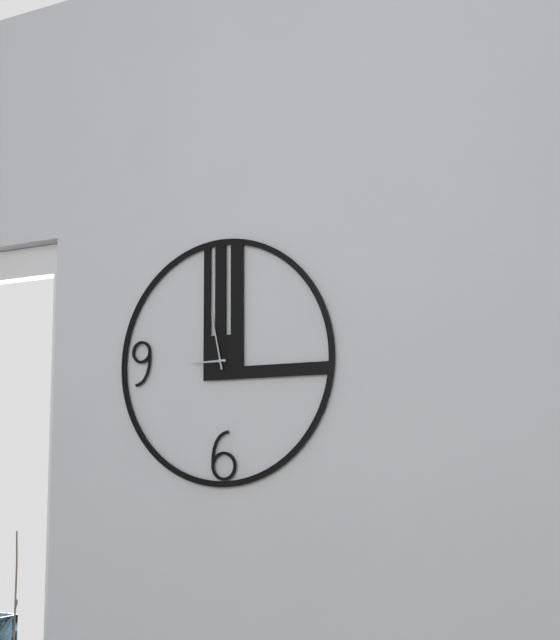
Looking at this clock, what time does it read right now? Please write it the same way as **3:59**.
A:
**8:58**
